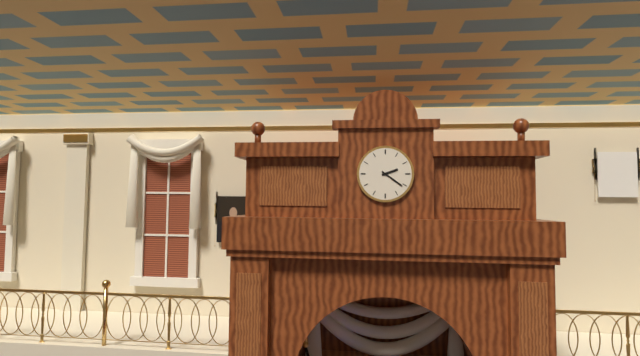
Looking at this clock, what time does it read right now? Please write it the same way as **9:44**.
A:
**2:21**
